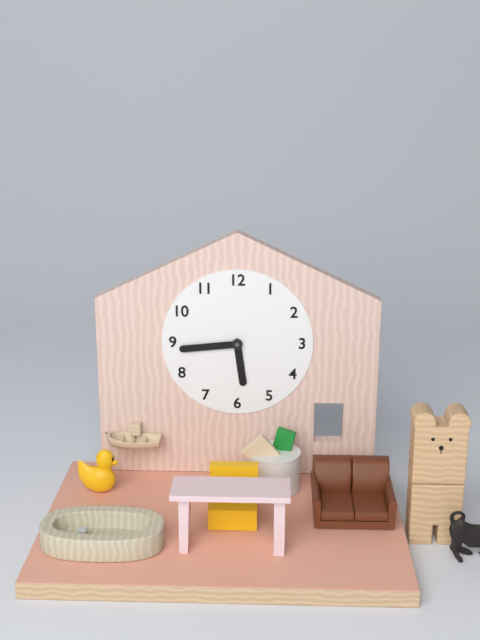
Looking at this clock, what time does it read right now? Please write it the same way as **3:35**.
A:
**5:44**
